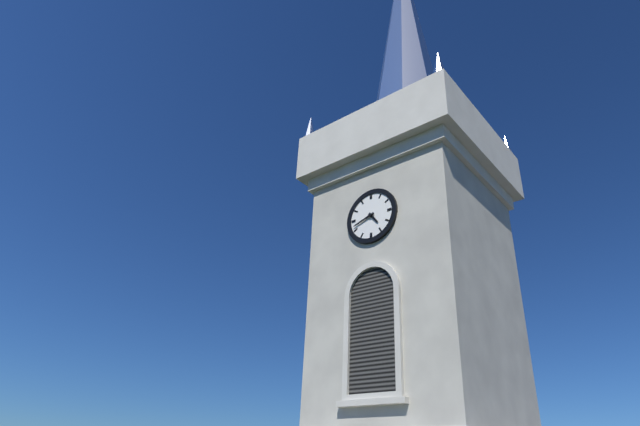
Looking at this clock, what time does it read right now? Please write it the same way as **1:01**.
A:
**4:42**
